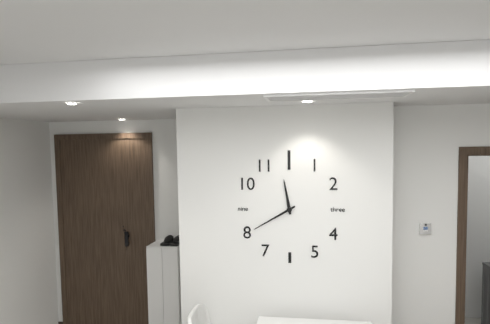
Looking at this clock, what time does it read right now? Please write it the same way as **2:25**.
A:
**11:40**
